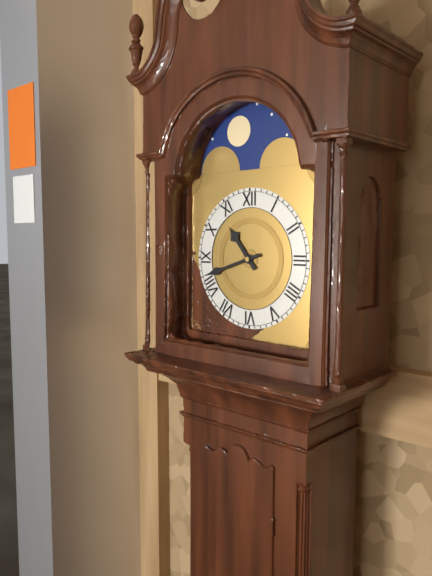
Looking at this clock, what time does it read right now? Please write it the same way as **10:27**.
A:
**10:42**
